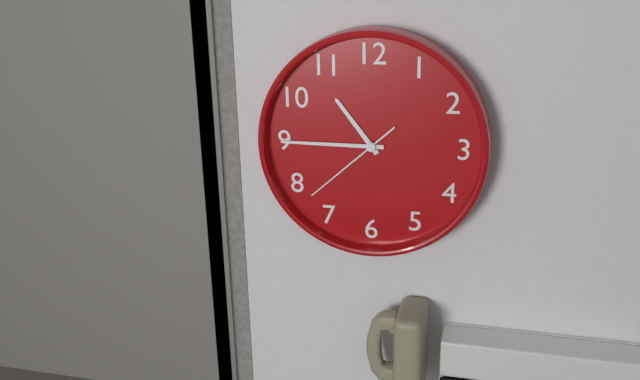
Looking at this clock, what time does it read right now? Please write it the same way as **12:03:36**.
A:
**10:45:38**
